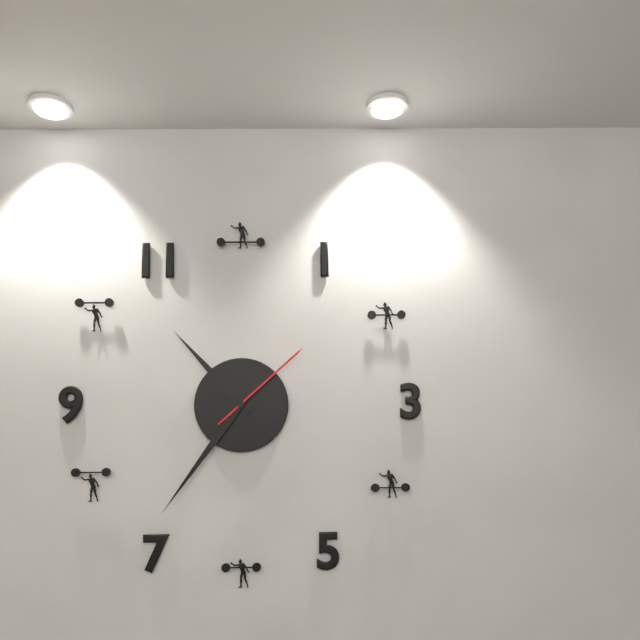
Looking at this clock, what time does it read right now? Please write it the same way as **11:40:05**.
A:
**10:36:08**
